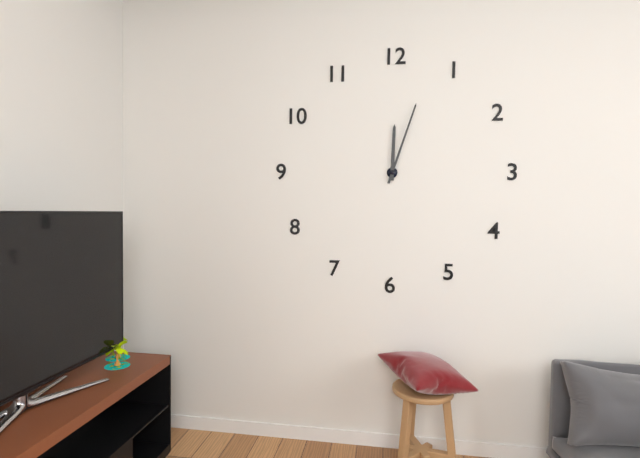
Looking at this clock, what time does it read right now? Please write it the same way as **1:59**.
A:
**12:03**
